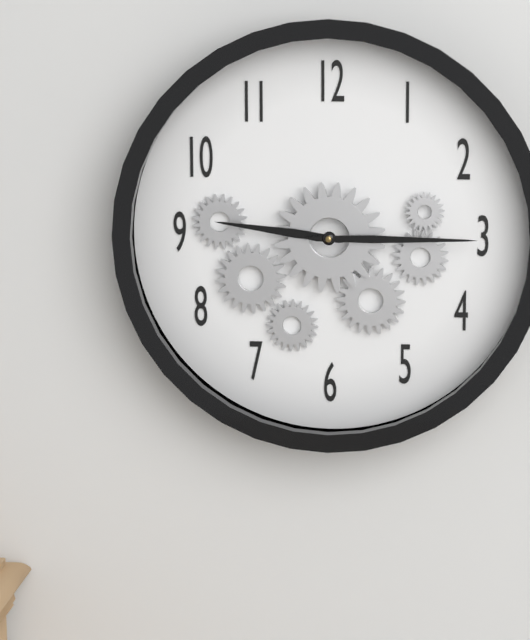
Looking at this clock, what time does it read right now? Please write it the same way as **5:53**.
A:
**9:15**
